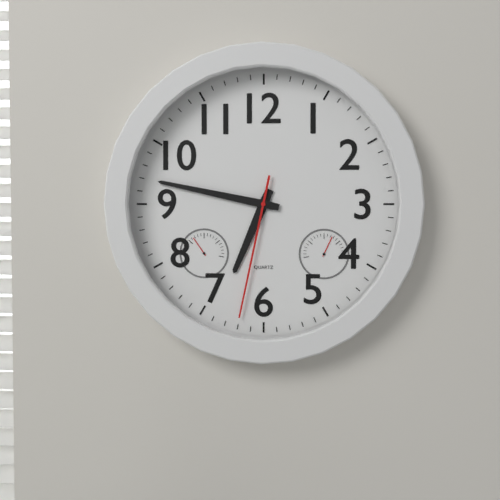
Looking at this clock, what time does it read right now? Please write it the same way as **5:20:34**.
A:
**6:47:32**
